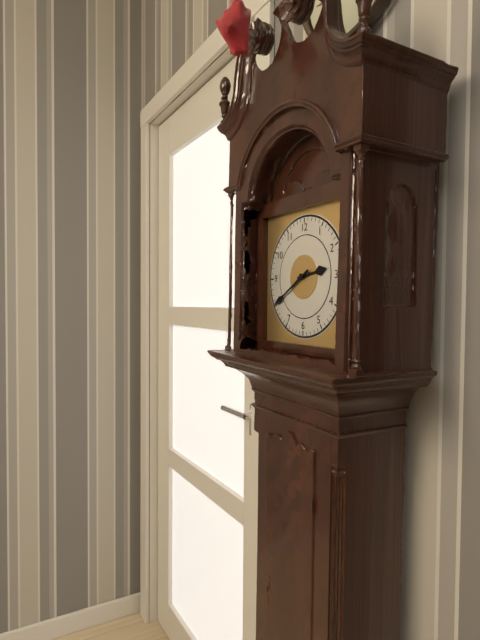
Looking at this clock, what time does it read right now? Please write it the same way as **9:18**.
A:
**2:40**
